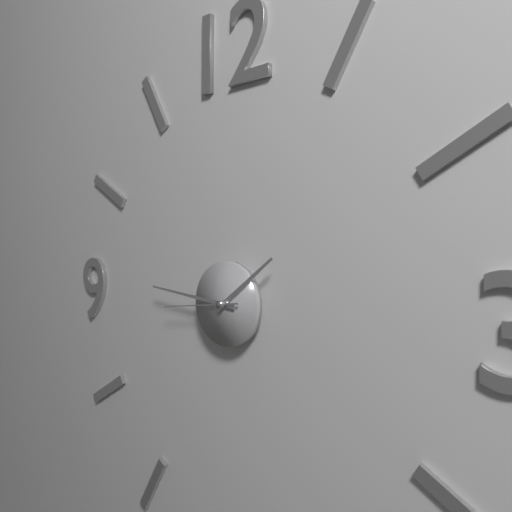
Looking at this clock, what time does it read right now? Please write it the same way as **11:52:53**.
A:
**1:46:44**
